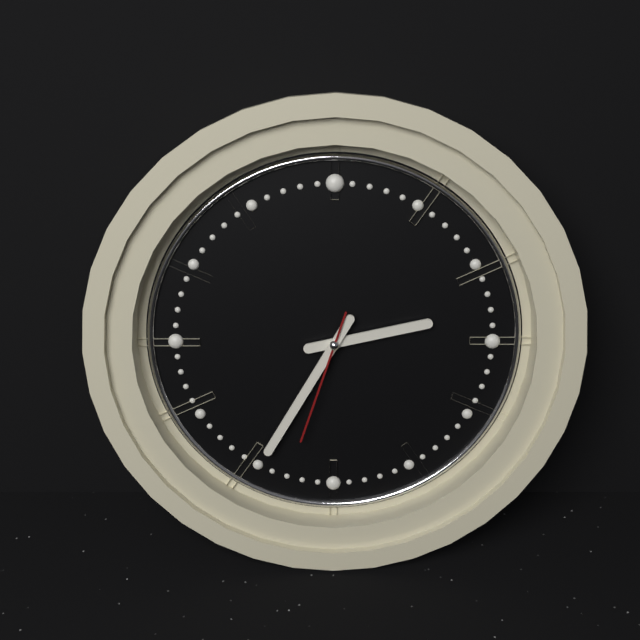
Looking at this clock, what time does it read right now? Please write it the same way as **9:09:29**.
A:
**2:35:33**
